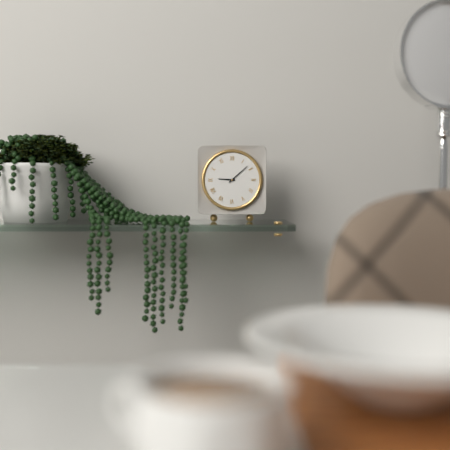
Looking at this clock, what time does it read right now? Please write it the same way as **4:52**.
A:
**9:08**
